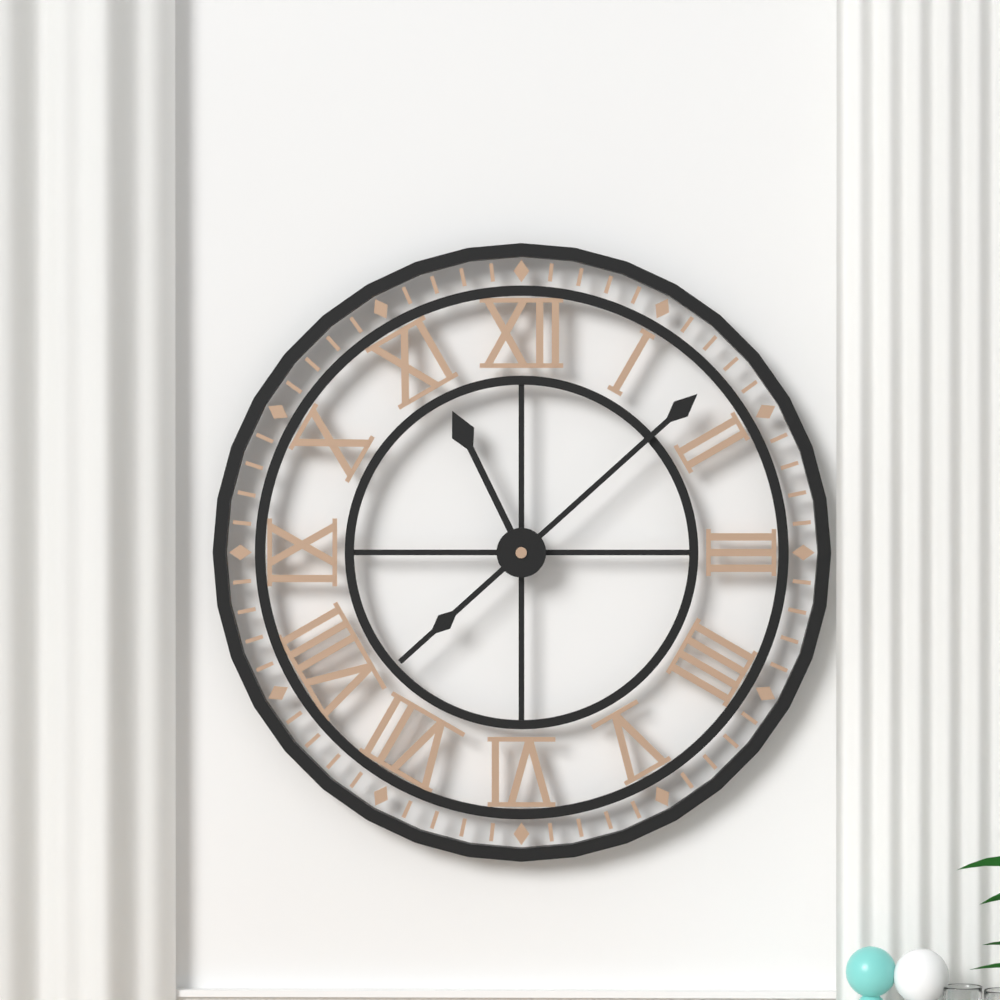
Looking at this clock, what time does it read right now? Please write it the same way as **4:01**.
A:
**11:08**
